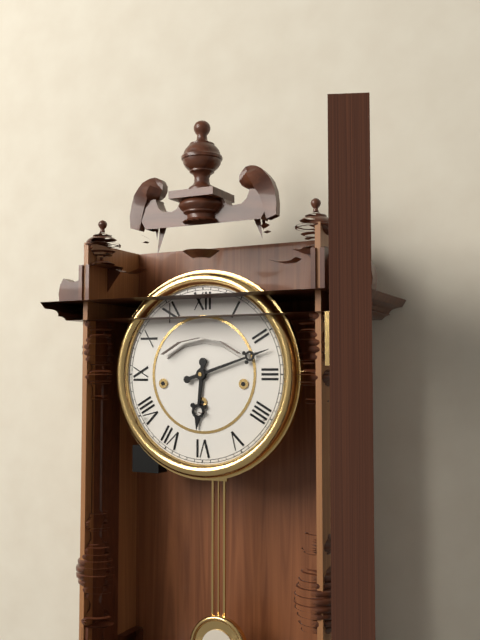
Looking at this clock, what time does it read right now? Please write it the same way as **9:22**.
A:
**6:12**
